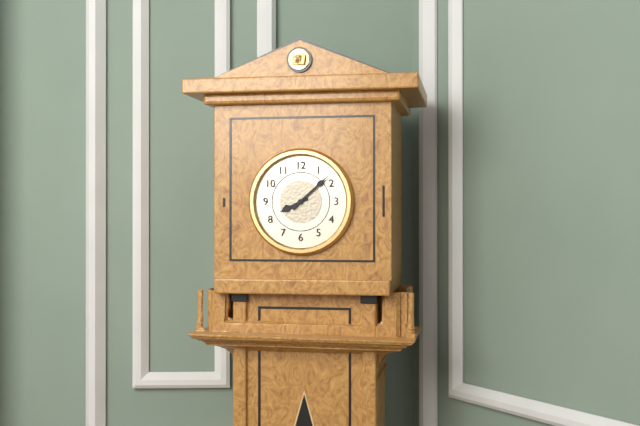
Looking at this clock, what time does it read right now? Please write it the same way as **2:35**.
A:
**8:08**
